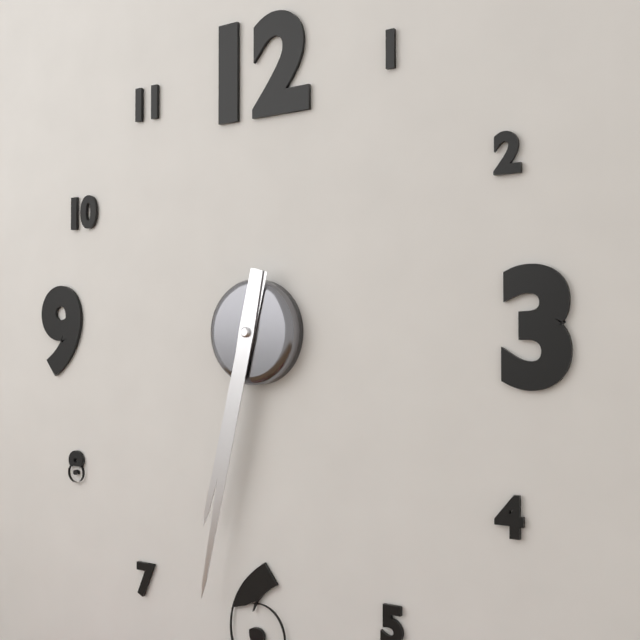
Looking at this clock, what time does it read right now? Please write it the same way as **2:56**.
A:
**6:32**
